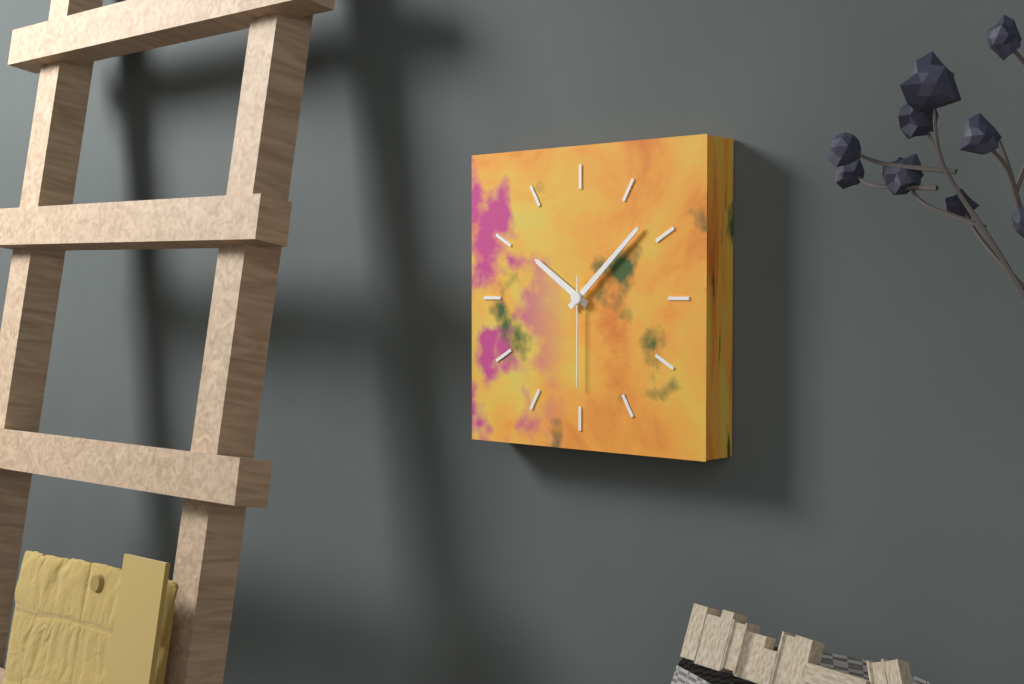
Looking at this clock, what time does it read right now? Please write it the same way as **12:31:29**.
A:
**10:08:30**
